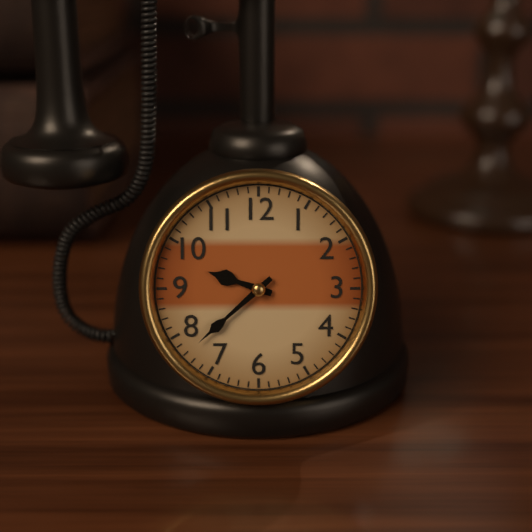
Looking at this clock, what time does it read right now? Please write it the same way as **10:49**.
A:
**9:38**
